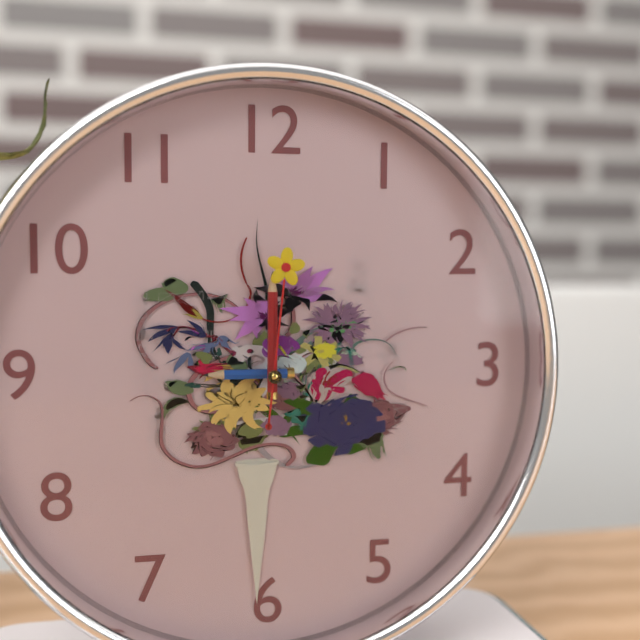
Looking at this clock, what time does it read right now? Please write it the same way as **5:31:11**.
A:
**9:00:01**
